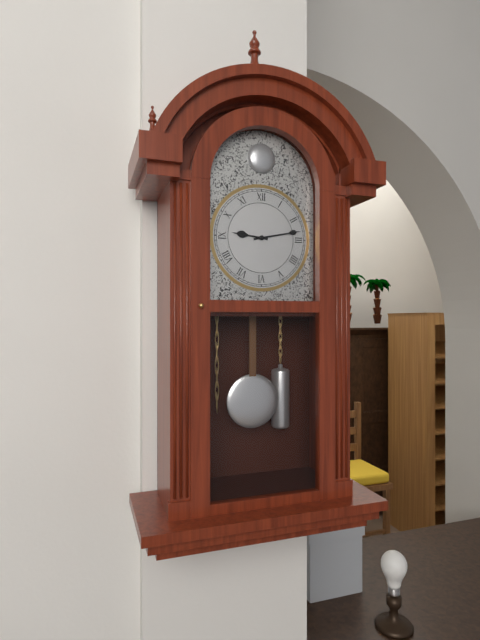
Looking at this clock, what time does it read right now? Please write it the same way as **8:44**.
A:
**9:13**
